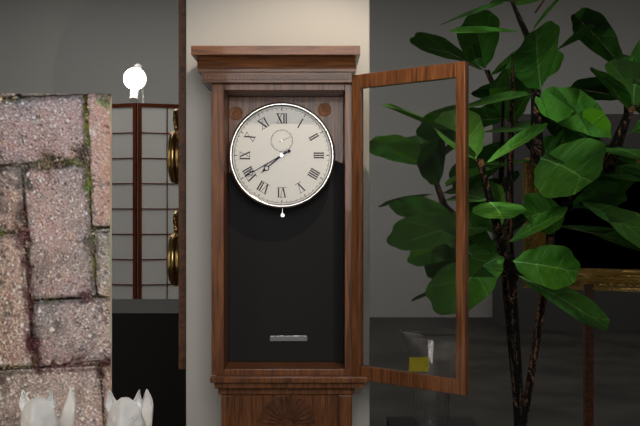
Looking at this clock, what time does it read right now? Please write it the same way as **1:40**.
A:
**7:40**
